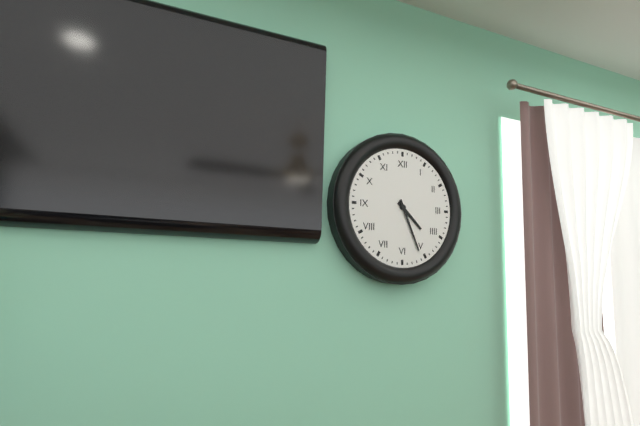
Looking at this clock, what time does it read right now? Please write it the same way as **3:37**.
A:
**4:26**
